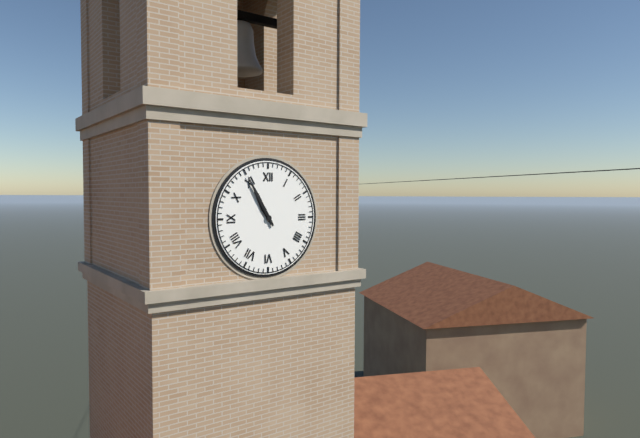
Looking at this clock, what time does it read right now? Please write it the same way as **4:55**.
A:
**10:55**
